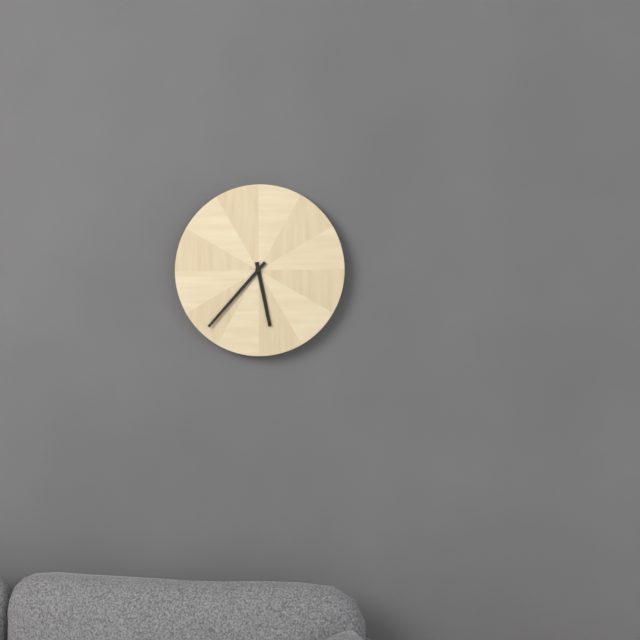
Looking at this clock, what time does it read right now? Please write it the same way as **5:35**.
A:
**5:37**
